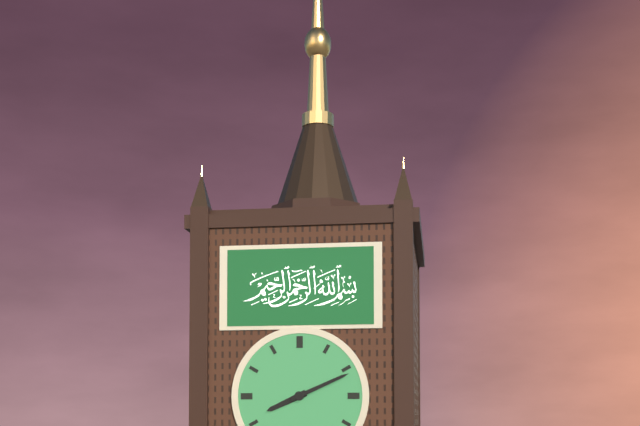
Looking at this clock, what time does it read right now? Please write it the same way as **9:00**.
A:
**8:11**
